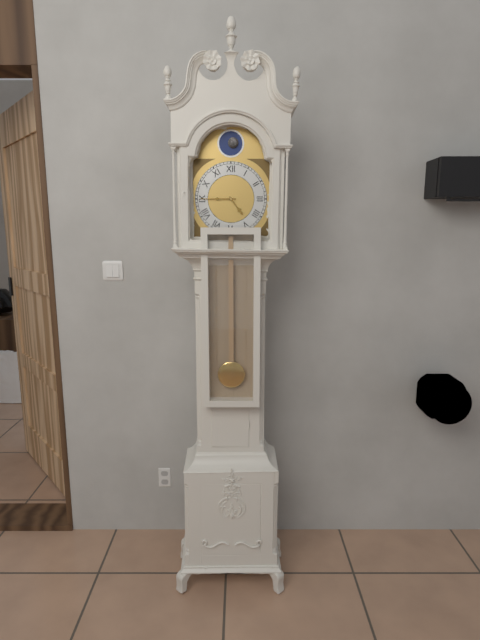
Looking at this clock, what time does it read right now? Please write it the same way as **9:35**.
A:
**4:45**
